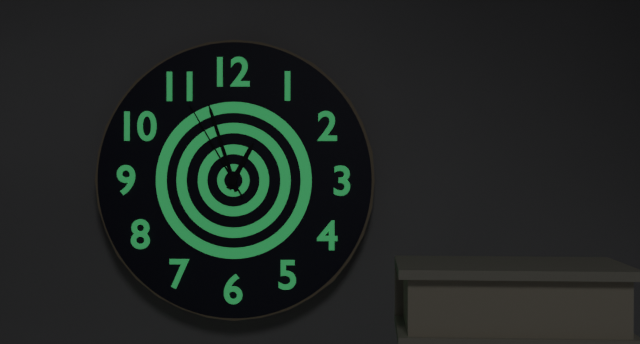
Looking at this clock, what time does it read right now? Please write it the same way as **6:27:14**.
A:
**12:57:55**
